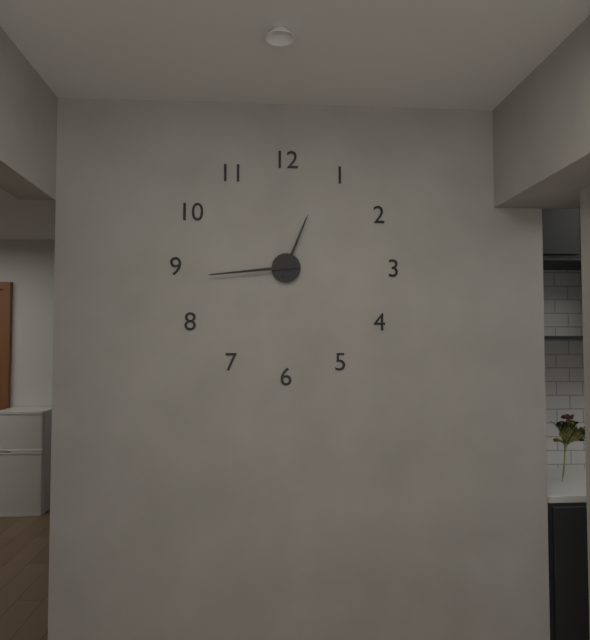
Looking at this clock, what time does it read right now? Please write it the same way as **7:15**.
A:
**12:44**
